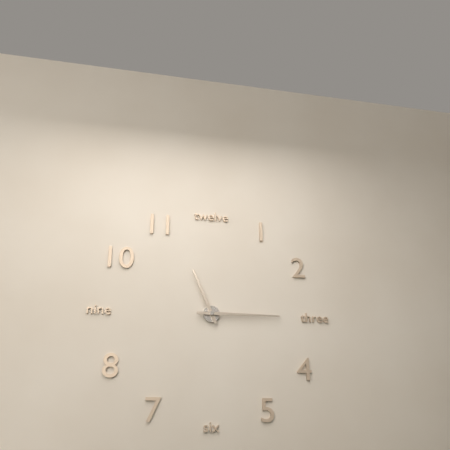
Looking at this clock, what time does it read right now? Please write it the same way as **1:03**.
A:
**11:15**
